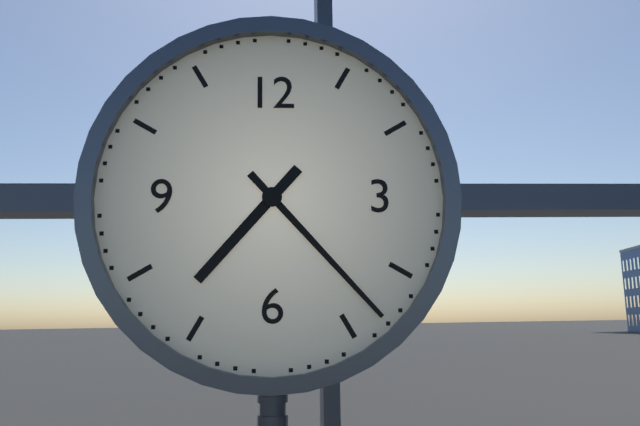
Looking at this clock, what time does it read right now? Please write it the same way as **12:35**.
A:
**7:23**
